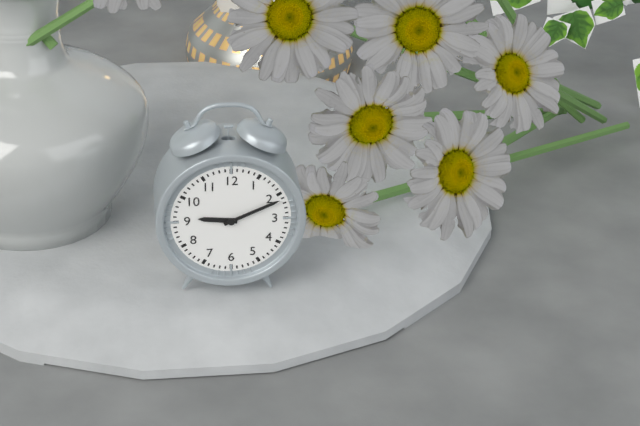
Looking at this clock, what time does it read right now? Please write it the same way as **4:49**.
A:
**9:11**
